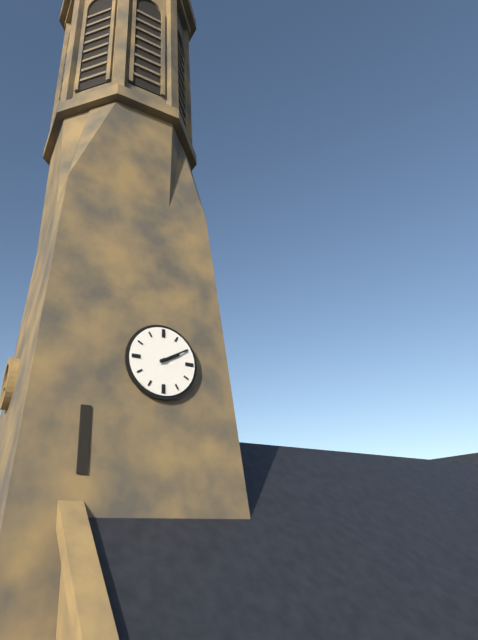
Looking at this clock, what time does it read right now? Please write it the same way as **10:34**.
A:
**2:10**
